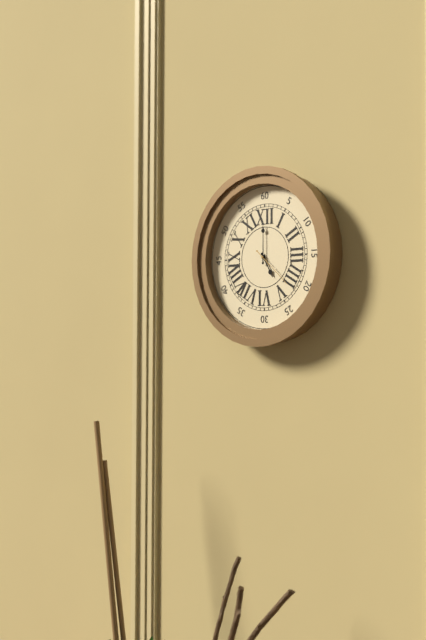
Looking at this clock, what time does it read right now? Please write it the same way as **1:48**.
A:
**5:00**
